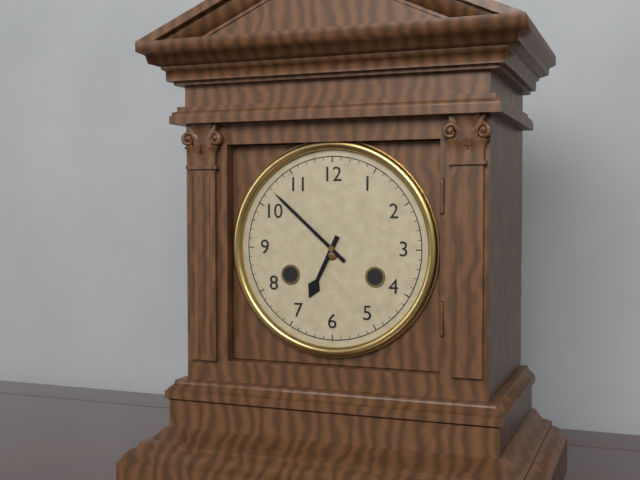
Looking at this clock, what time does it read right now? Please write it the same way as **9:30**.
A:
**6:52**
